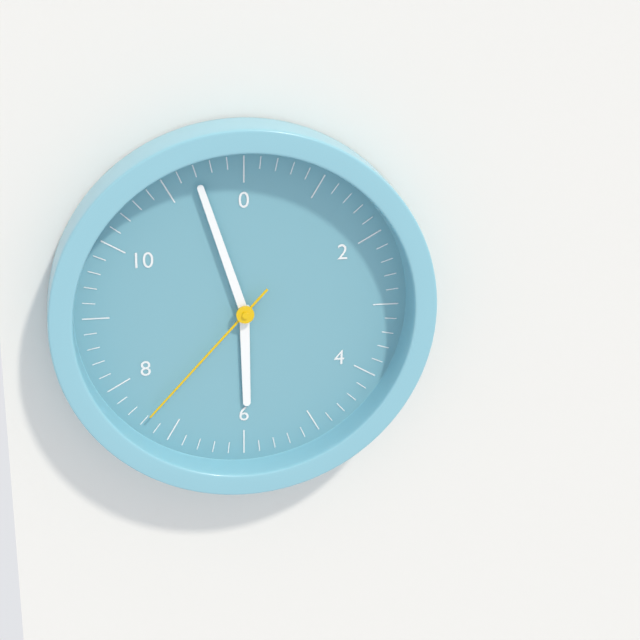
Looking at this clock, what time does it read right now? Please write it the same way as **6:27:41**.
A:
**5:57:37**
